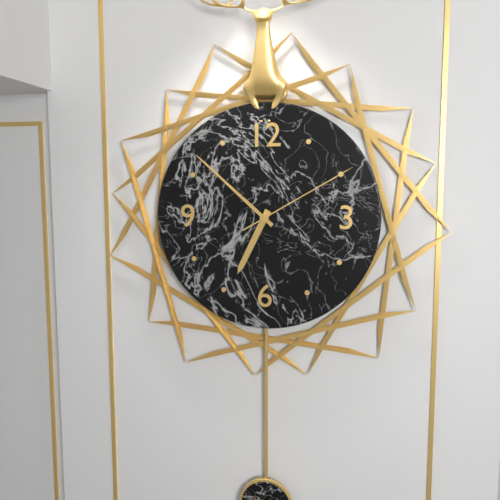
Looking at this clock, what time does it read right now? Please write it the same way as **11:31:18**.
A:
**6:52:10**
